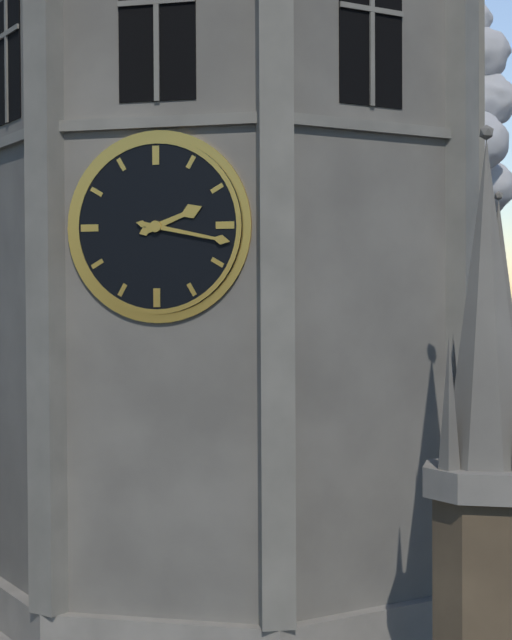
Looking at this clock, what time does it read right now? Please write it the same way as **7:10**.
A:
**2:17**
